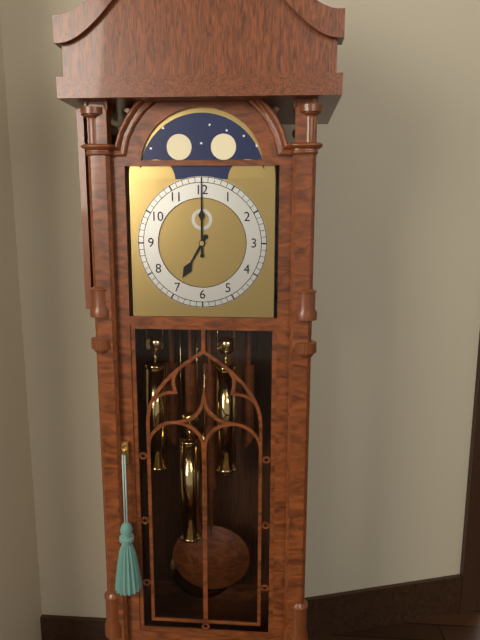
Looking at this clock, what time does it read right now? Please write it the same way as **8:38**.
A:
**7:00**
